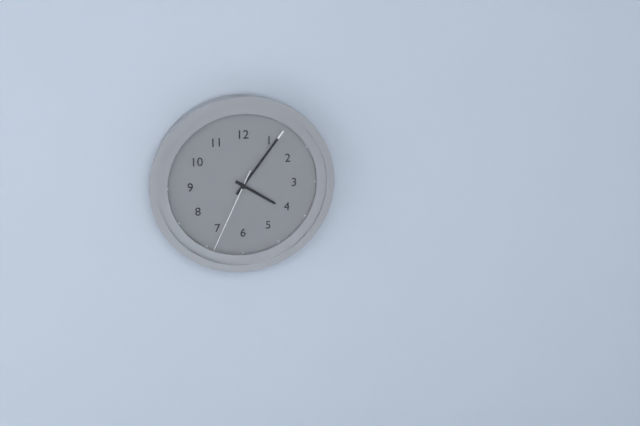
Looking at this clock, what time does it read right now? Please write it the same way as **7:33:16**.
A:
**4:06:34**
